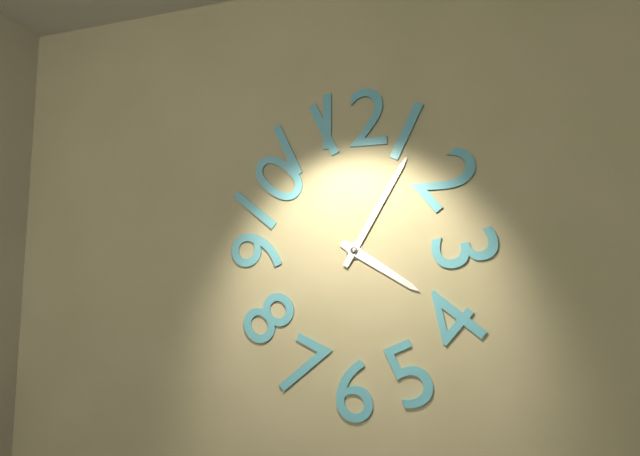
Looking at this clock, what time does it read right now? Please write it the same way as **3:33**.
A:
**4:05**
